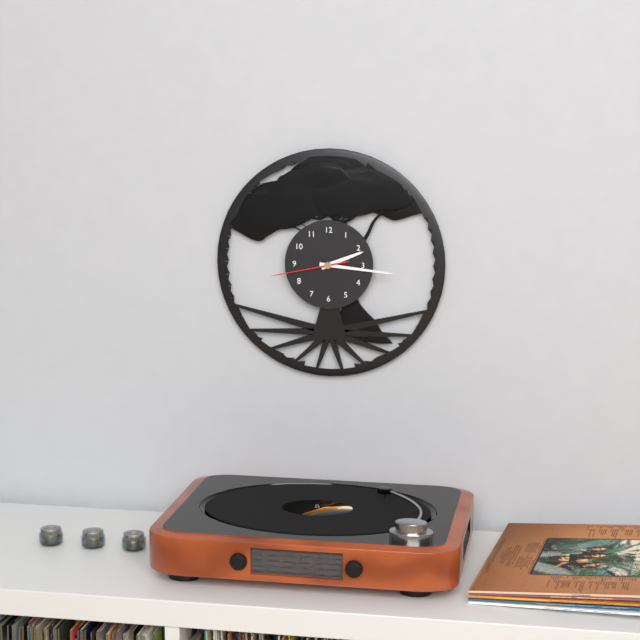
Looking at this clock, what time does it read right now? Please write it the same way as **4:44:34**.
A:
**2:16:43**
